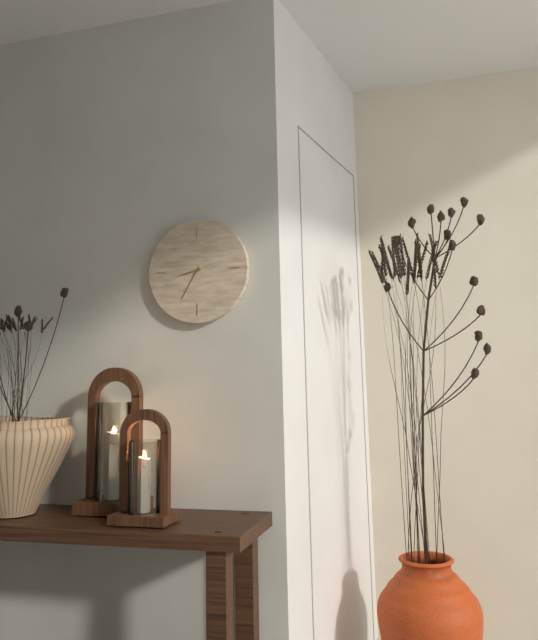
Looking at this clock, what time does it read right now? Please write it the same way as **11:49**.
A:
**8:35**
